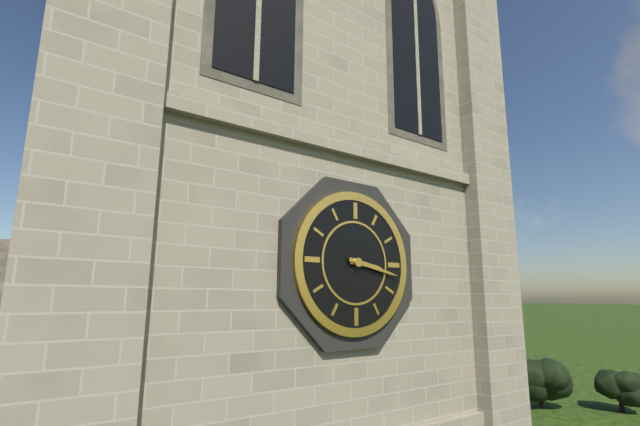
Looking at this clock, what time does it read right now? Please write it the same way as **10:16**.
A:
**3:17**
